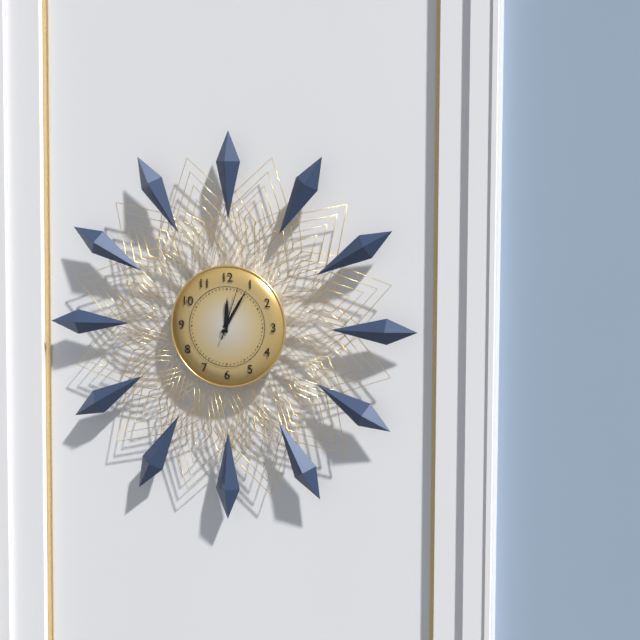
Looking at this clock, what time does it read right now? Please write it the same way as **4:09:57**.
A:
**12:05:03**
